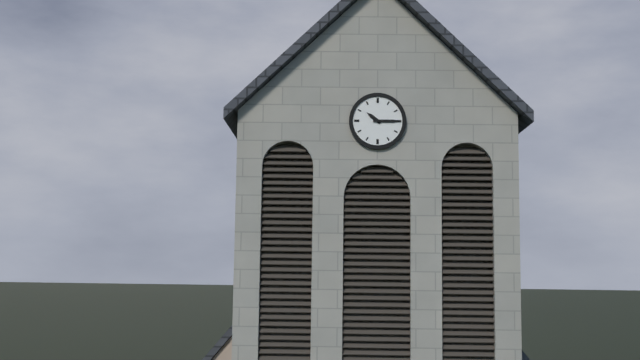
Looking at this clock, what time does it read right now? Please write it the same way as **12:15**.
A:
**10:15**
